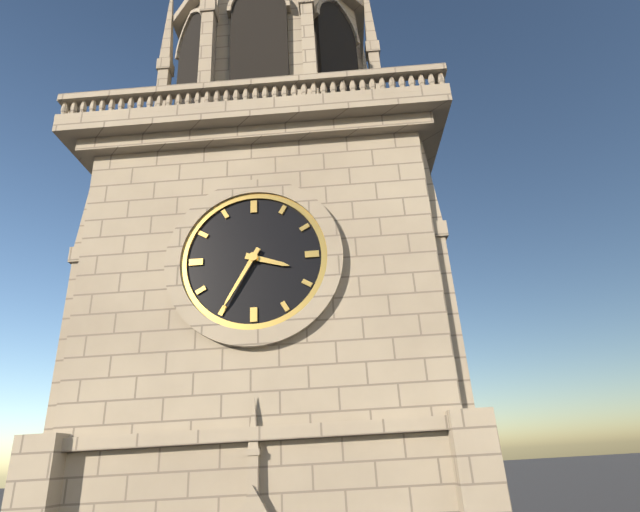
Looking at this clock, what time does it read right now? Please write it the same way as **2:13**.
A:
**3:35**
